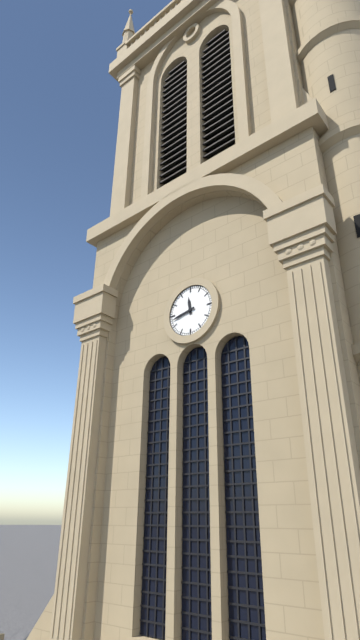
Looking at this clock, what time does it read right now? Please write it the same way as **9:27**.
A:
**11:43**
